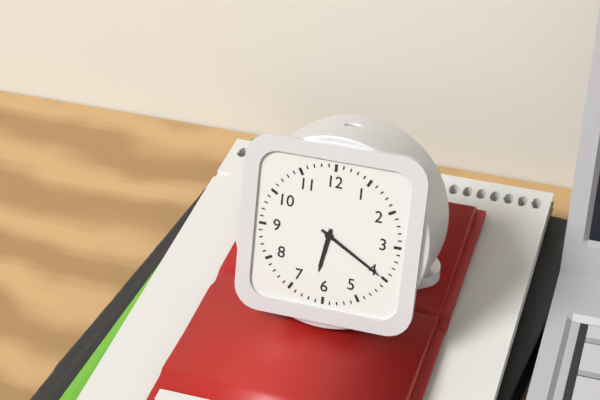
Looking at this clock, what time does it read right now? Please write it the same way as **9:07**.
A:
**6:20**
